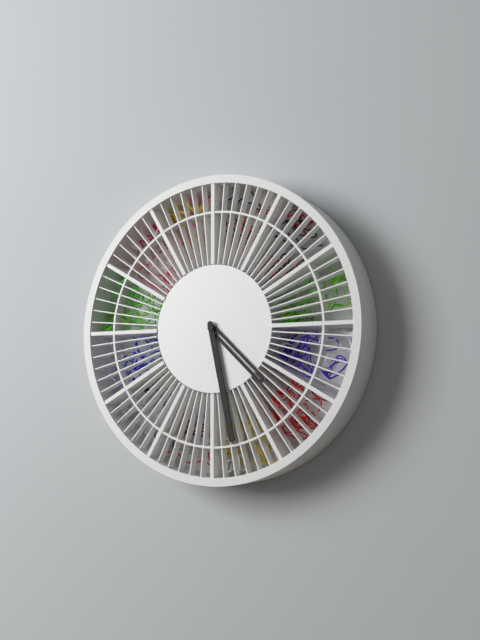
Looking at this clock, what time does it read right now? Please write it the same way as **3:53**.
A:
**4:28**
